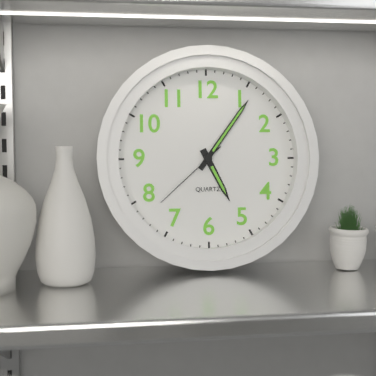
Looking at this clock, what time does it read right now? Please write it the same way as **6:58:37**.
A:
**5:06:38**
